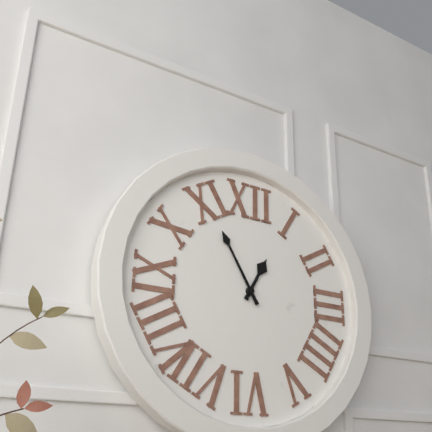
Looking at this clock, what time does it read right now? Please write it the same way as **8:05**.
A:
**12:55**
